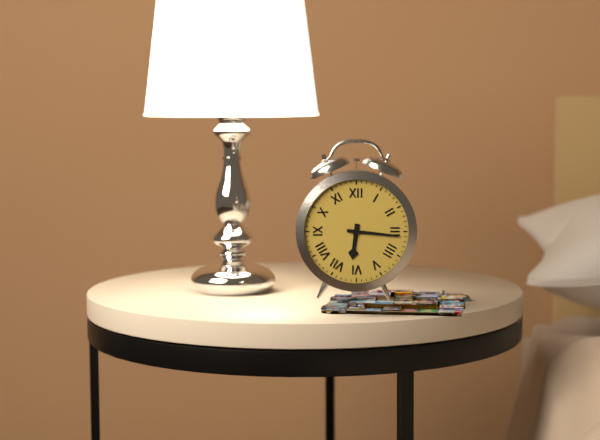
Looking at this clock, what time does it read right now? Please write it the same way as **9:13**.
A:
**6:16**
